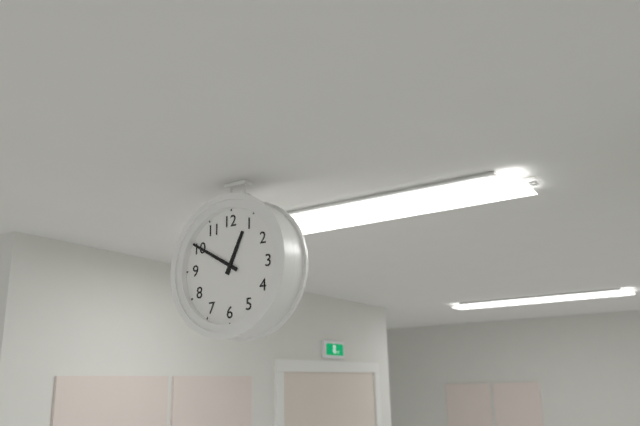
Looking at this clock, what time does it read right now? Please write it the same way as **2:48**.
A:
**12:50**
